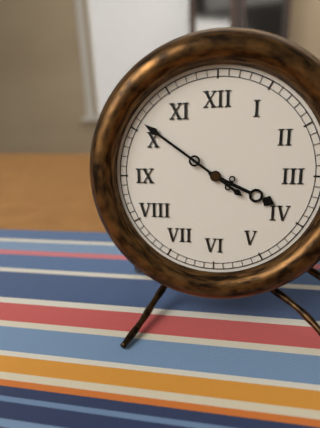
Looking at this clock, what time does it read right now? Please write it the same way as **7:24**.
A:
**3:51**
